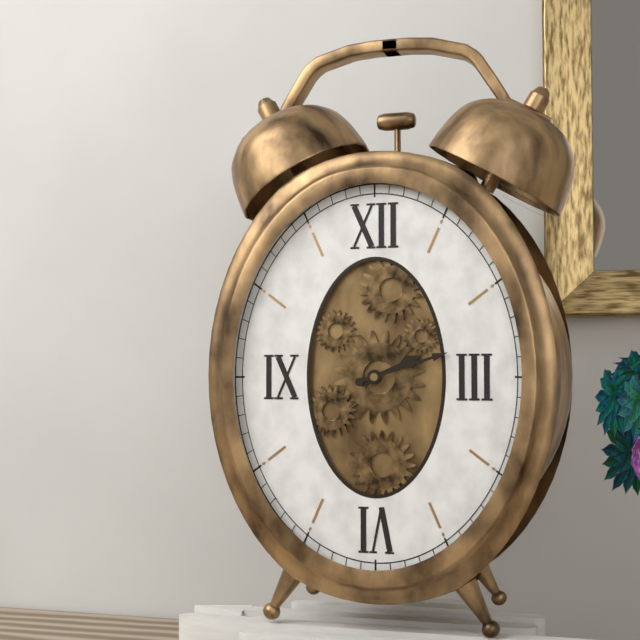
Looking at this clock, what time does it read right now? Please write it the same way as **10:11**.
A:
**2:12**
